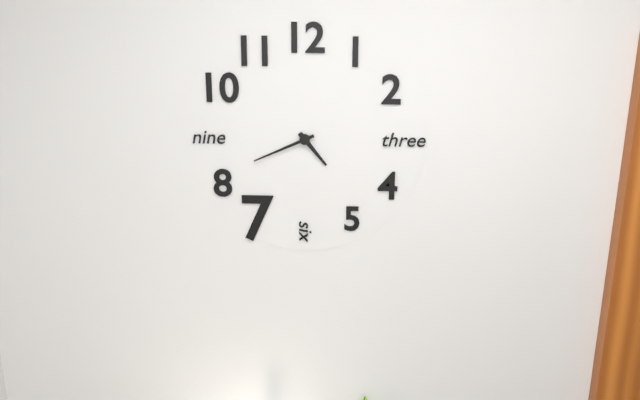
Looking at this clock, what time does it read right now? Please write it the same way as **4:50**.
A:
**4:41**
